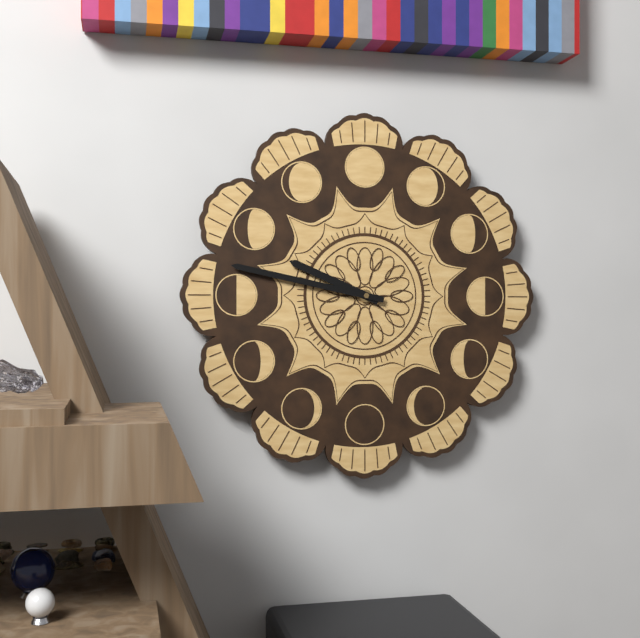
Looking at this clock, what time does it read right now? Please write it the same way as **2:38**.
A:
**9:47**
